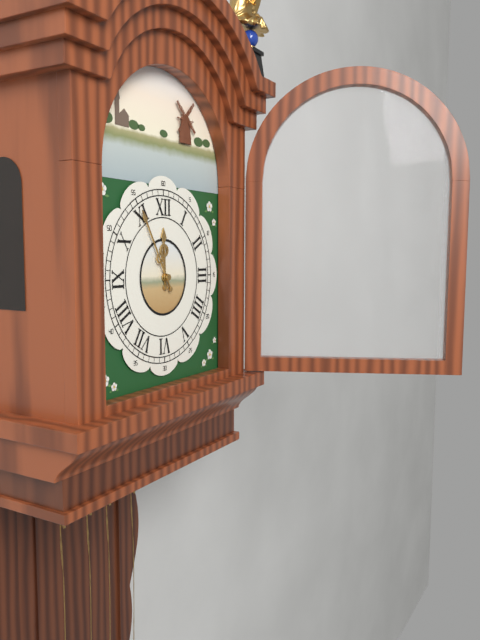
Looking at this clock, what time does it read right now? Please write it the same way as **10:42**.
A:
**11:55**
